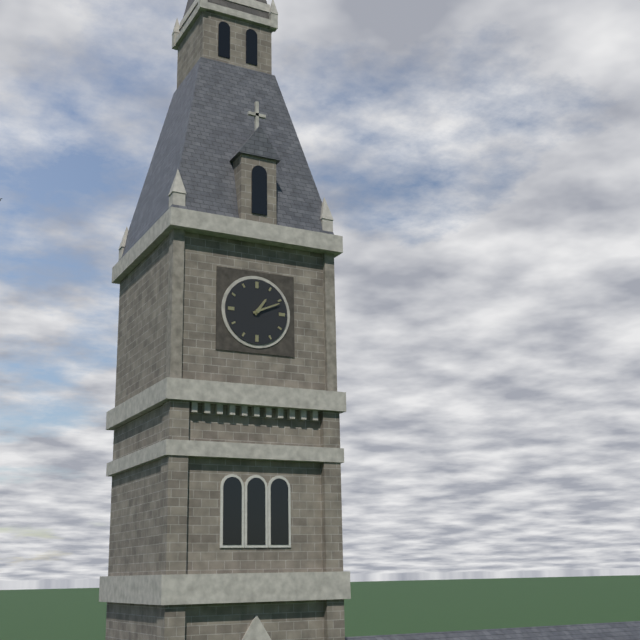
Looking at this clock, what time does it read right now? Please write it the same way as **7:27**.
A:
**1:11**
